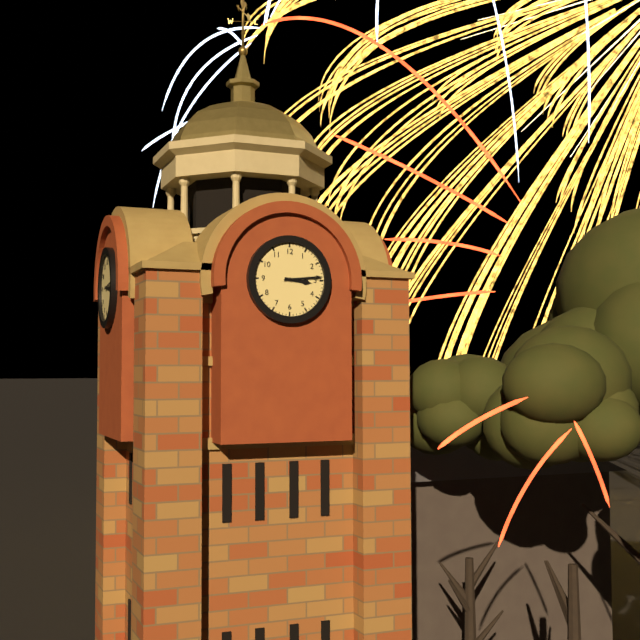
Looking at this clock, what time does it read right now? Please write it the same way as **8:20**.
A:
**3:14**
